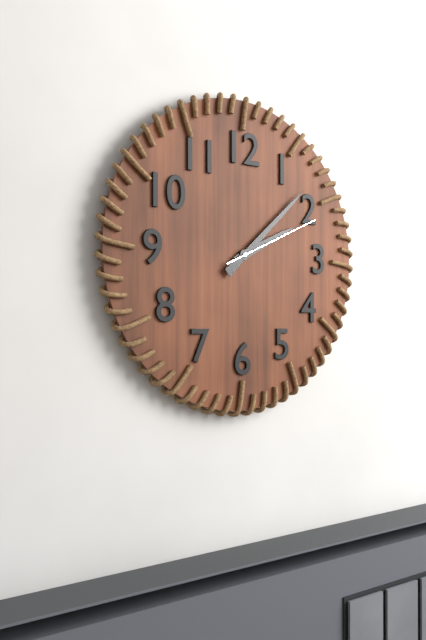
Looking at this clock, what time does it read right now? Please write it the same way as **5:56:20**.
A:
**2:08:11**
